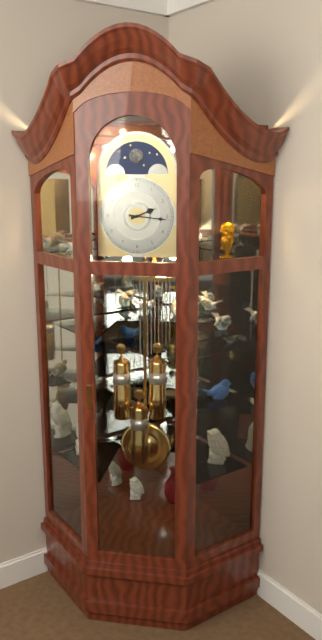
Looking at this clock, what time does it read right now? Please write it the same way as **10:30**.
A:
**2:16**
